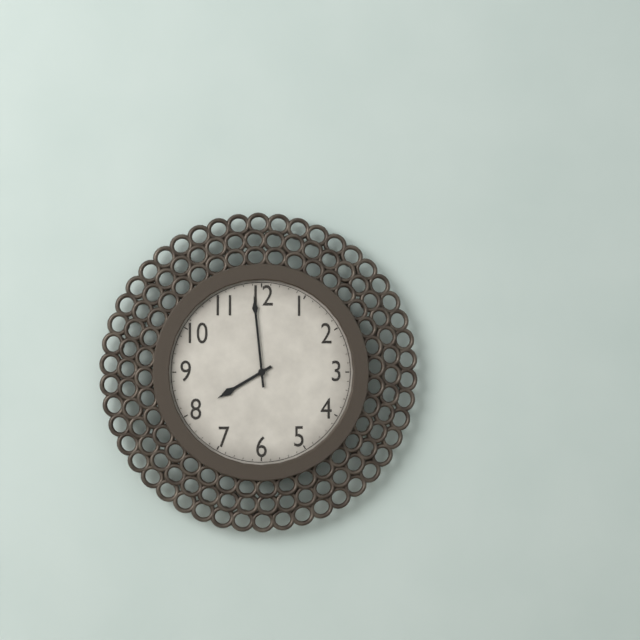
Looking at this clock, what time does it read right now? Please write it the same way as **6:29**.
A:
**7:59**
